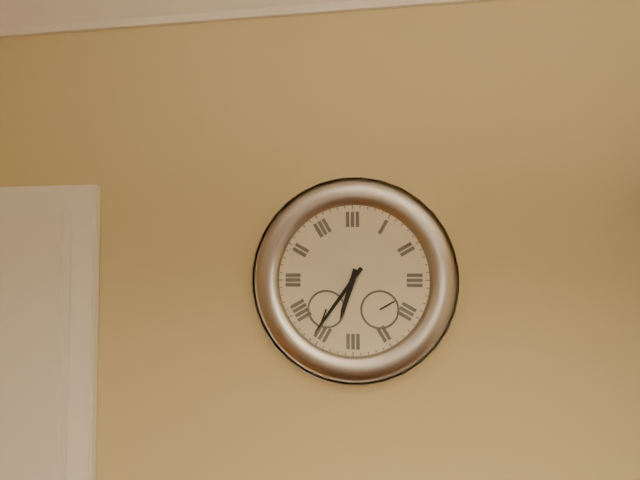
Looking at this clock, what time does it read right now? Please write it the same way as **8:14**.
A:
**6:36**
